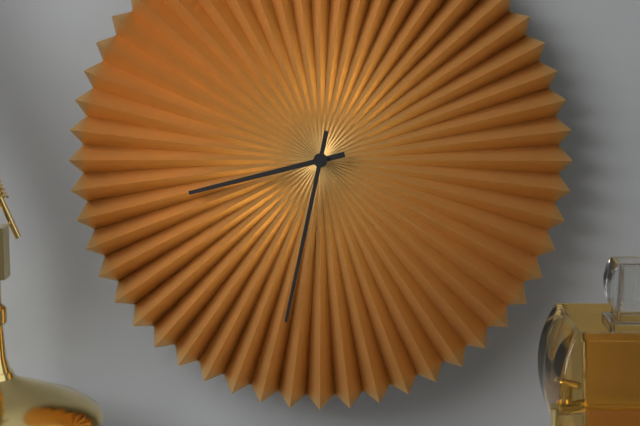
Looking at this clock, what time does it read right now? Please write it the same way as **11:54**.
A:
**8:32**
